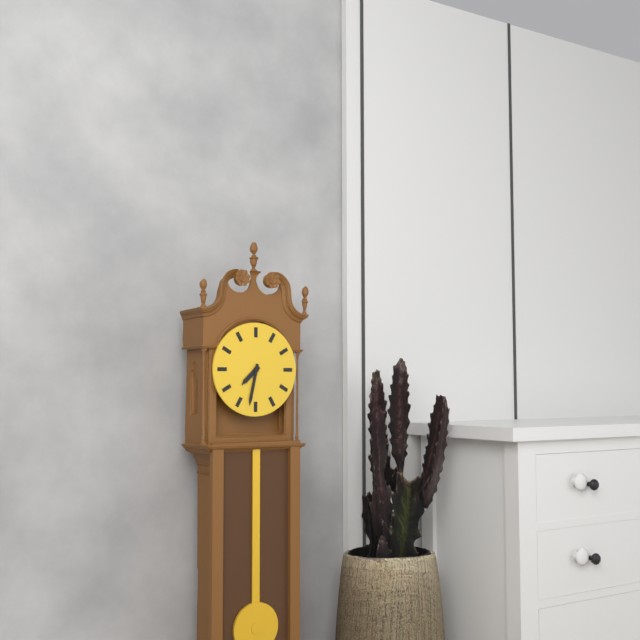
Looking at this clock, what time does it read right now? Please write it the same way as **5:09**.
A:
**7:32**
